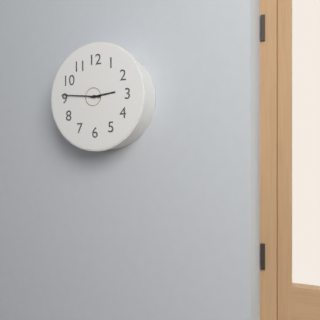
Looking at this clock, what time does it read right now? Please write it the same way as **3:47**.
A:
**2:46**
